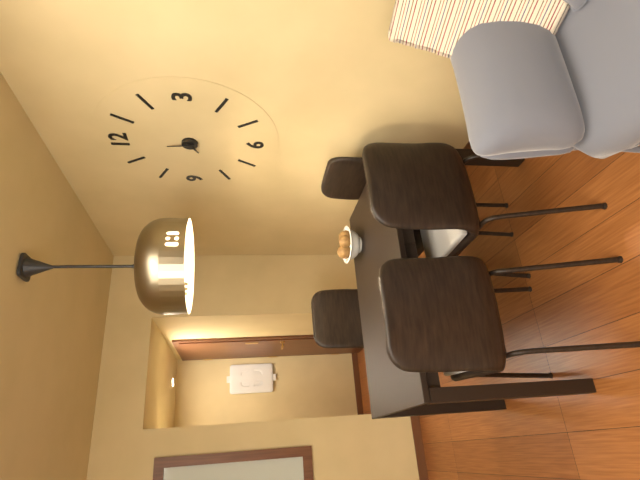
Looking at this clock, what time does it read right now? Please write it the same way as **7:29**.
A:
**7:59**
